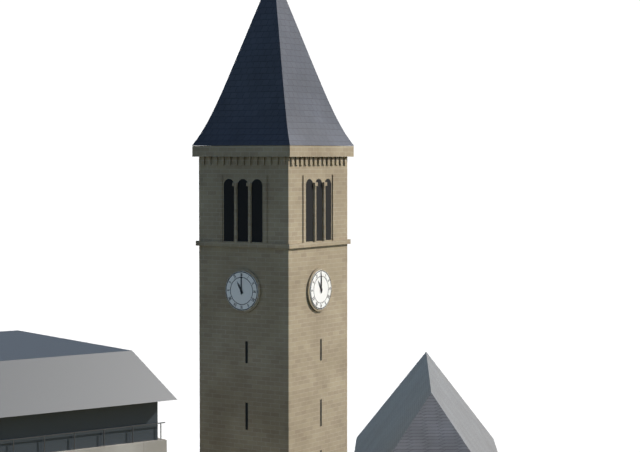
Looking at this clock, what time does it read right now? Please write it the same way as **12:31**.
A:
**11:00**
